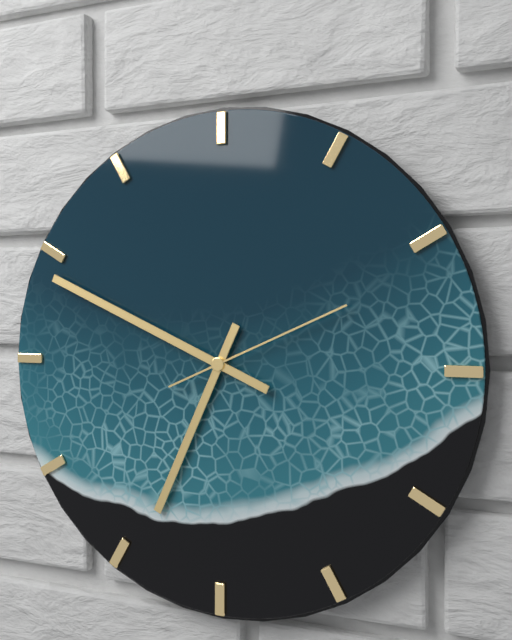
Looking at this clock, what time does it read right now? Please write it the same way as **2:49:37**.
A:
**6:49:11**
